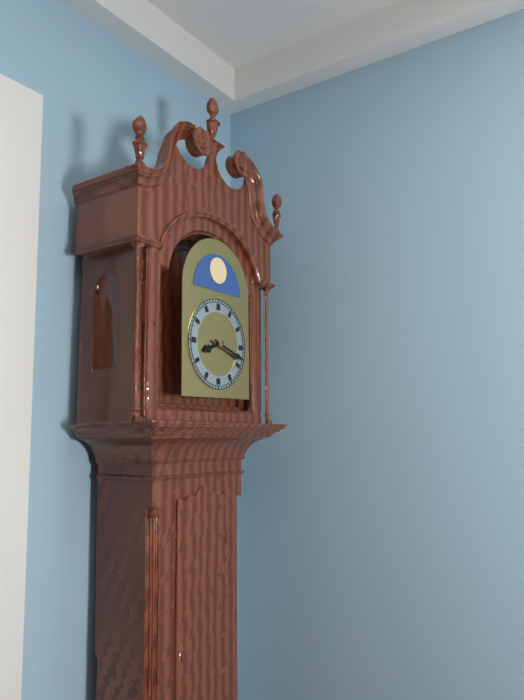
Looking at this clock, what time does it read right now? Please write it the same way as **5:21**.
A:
**8:18**
